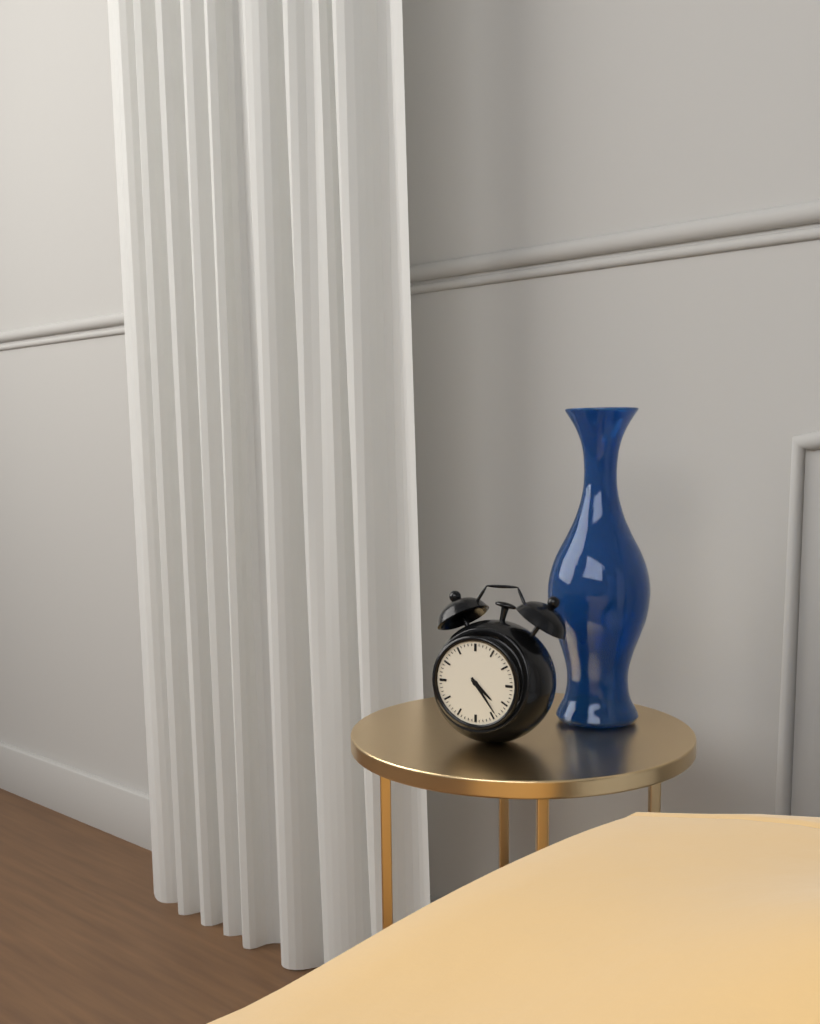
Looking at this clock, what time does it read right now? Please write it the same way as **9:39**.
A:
**4:24**
